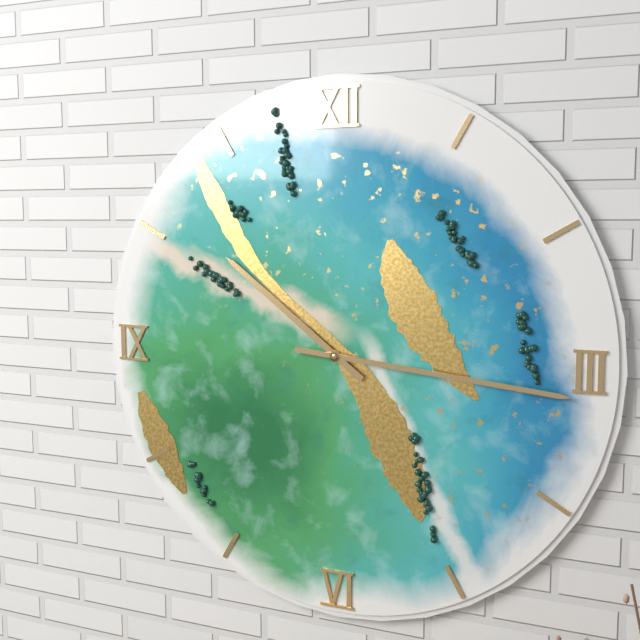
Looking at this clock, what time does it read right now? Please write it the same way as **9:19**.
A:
**10:16**
